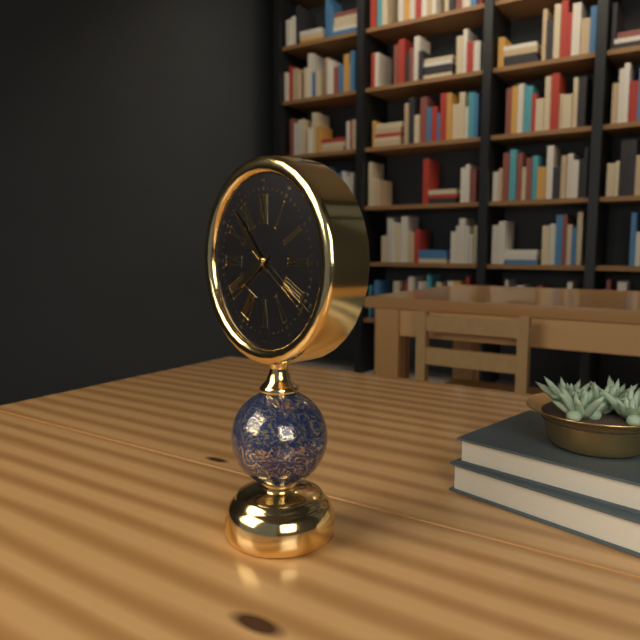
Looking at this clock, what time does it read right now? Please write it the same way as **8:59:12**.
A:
**7:53:21**
